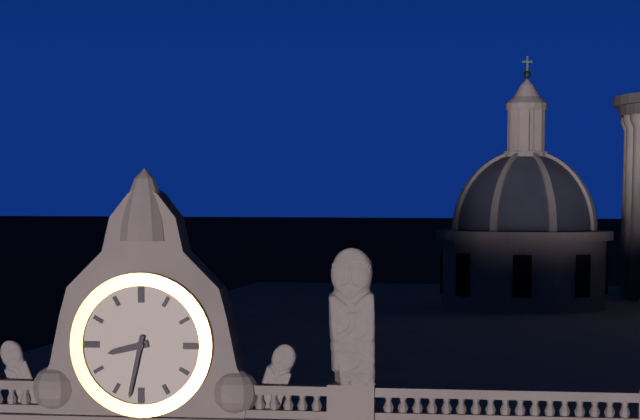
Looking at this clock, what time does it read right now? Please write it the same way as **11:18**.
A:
**8:32**
